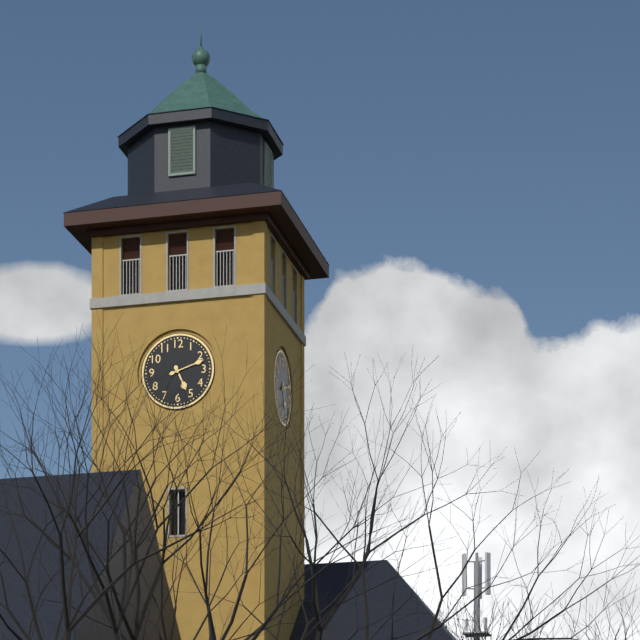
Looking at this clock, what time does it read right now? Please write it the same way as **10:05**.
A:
**5:12**
